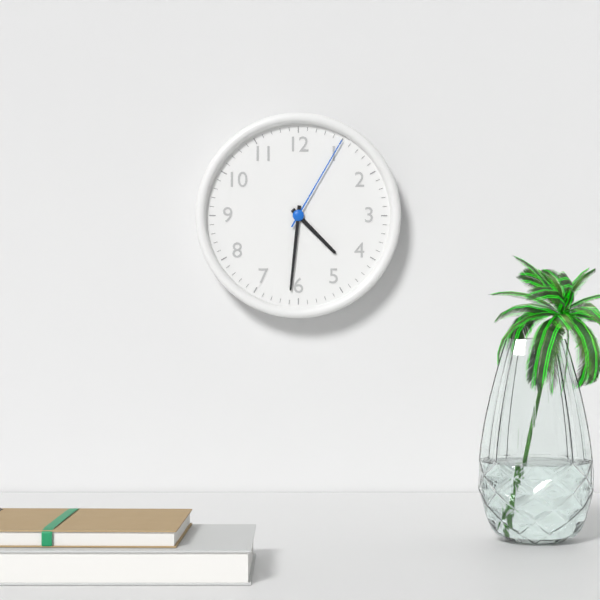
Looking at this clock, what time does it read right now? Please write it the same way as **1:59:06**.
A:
**4:31:05**
